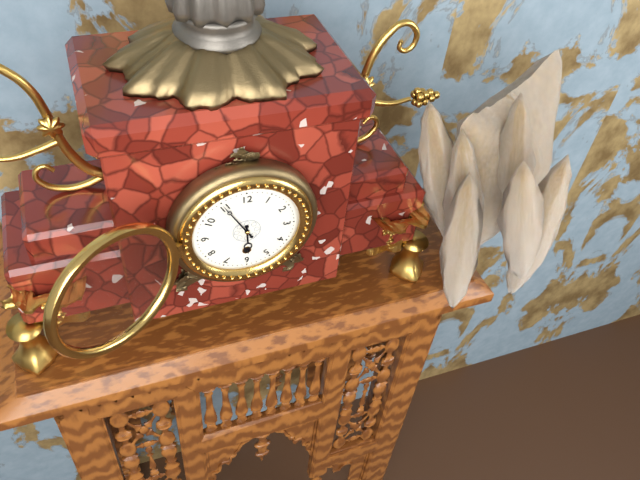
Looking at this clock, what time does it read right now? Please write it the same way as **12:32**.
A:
**5:55**
